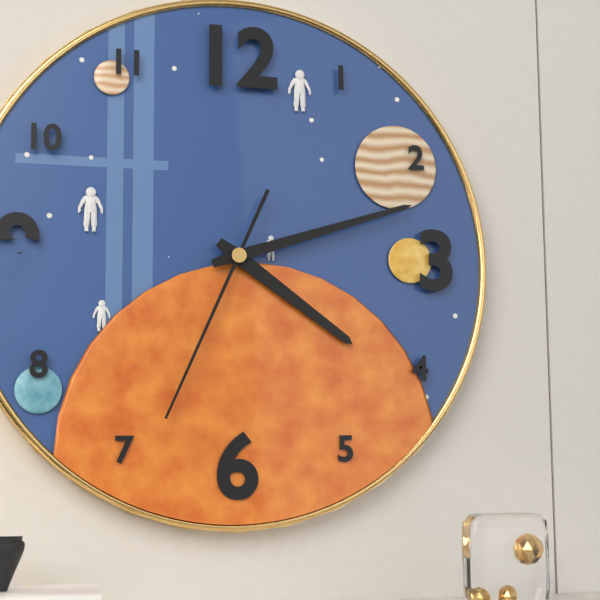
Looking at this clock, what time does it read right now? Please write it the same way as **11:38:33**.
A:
**4:12:34**
